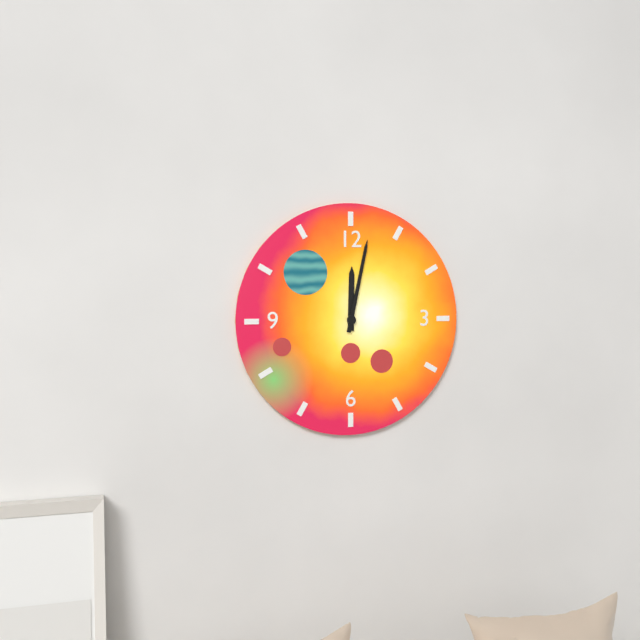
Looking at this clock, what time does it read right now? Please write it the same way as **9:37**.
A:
**12:02**
